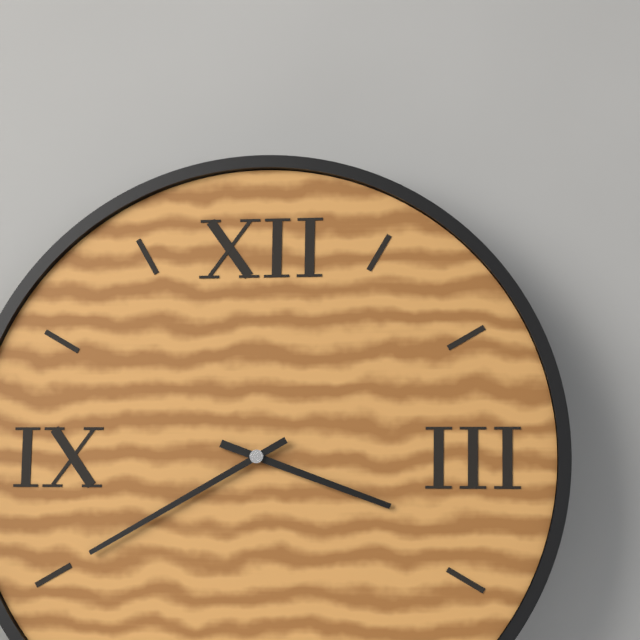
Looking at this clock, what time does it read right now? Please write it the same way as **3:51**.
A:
**3:40**
